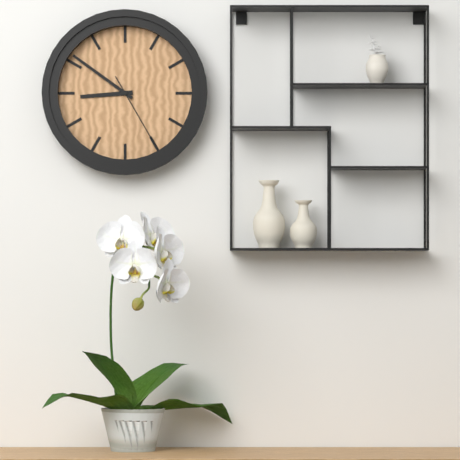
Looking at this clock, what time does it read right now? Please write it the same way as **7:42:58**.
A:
**8:51:25**
